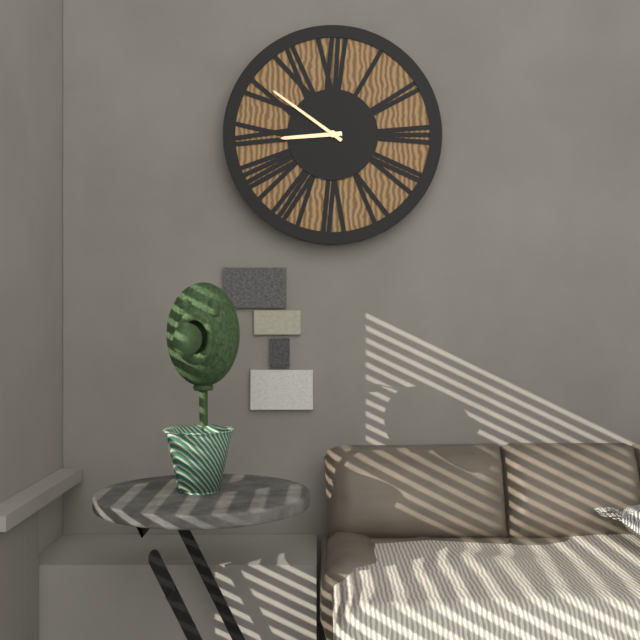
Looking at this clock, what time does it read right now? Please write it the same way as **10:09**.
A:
**8:51**
